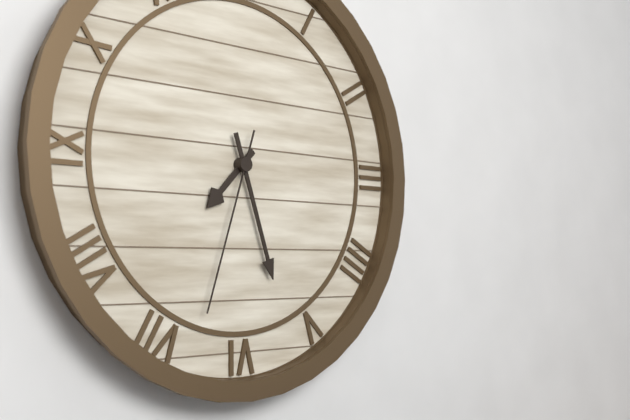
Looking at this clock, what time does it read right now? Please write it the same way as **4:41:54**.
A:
**7:27:33**
